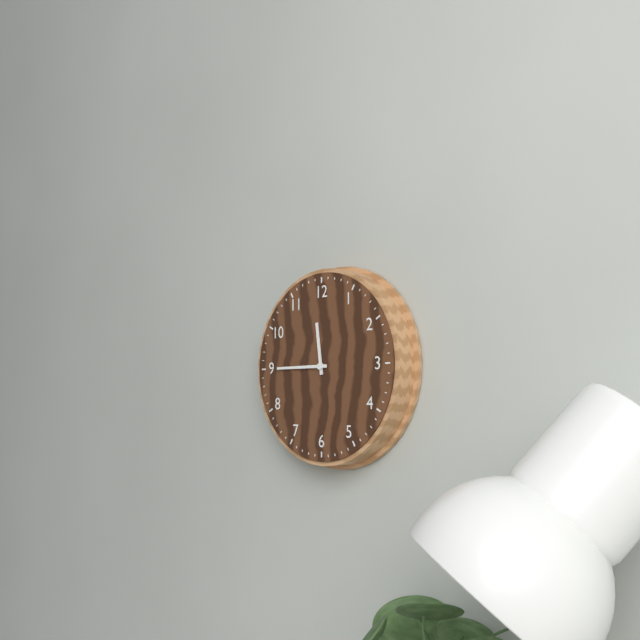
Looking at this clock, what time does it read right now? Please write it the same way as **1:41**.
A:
**11:45**
